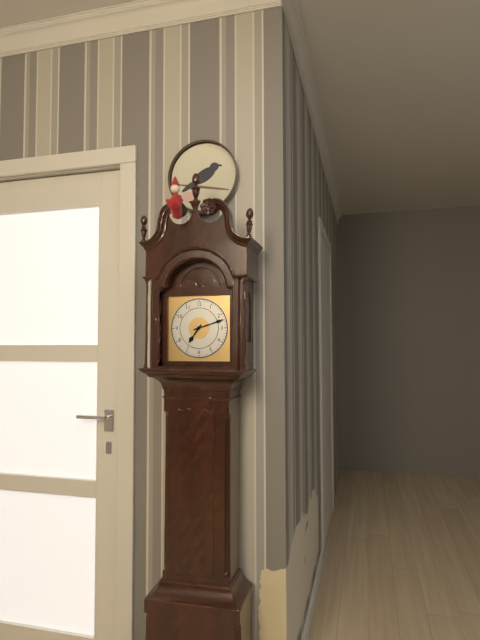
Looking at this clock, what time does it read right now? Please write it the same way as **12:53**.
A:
**7:12**
